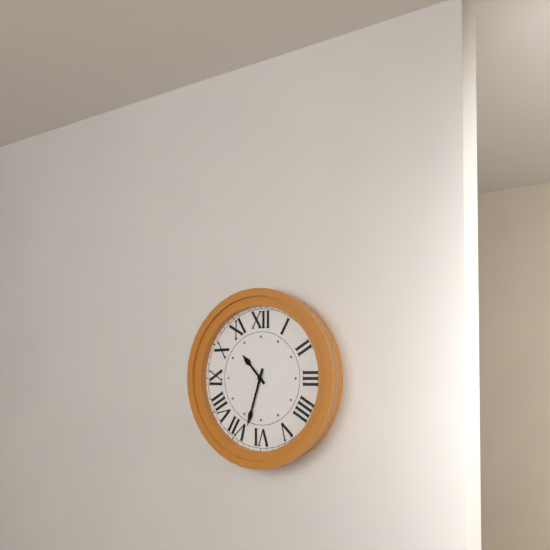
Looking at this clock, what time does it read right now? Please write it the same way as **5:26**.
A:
**10:33**
